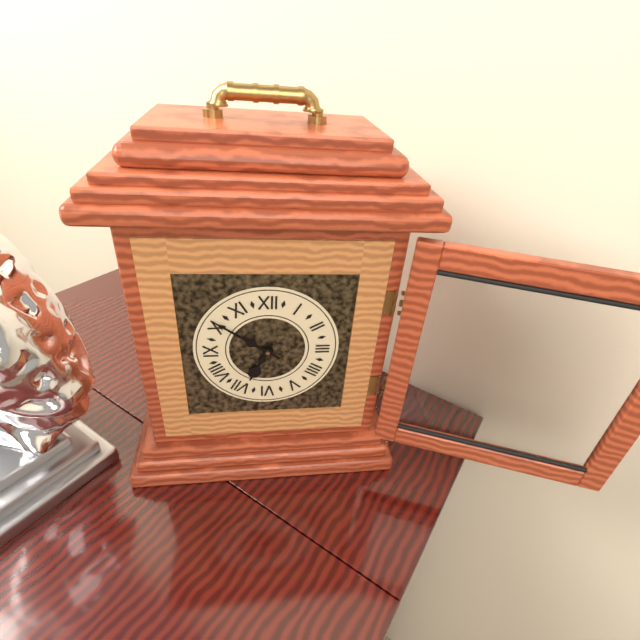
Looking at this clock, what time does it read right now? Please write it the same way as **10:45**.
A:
**6:51**
